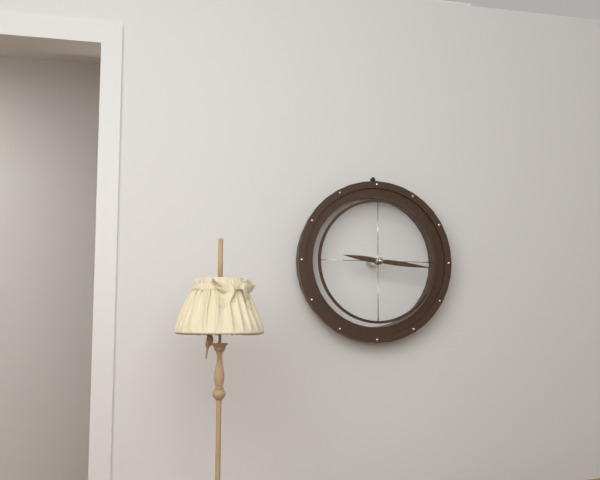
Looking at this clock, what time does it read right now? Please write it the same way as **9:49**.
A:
**9:16**
